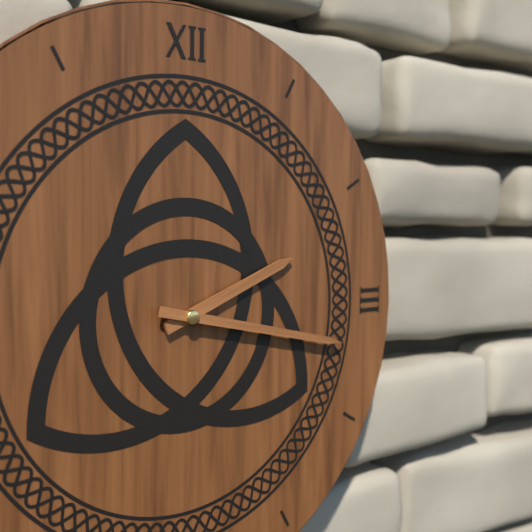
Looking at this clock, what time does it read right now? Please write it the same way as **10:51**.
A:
**2:17**
